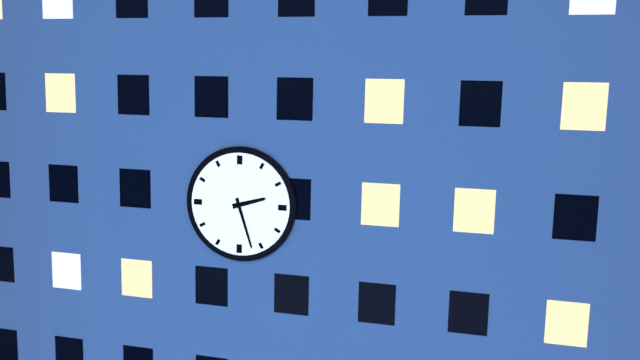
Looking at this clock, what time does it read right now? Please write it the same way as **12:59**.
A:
**2:27**
